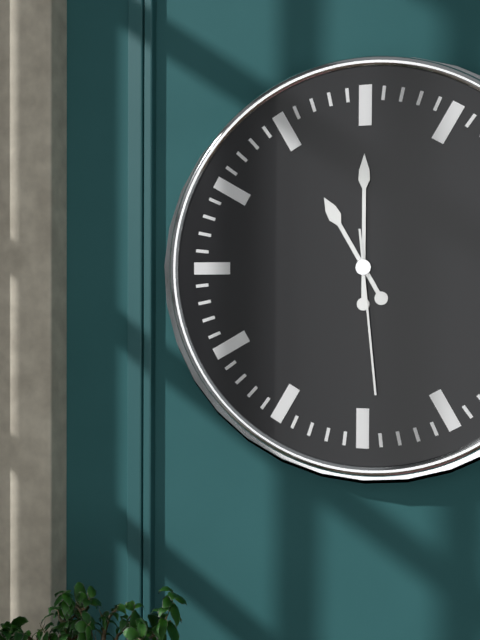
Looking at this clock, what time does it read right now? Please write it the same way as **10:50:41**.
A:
**11:00:29**
